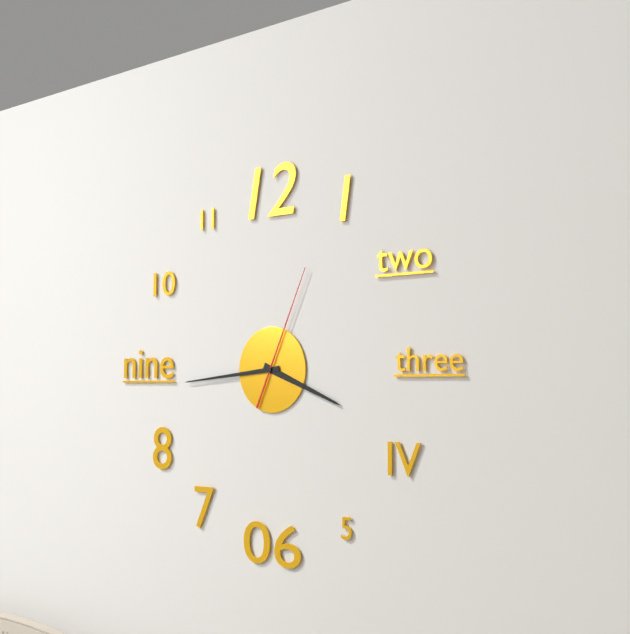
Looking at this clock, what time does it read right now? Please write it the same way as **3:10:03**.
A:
**3:44:04**
